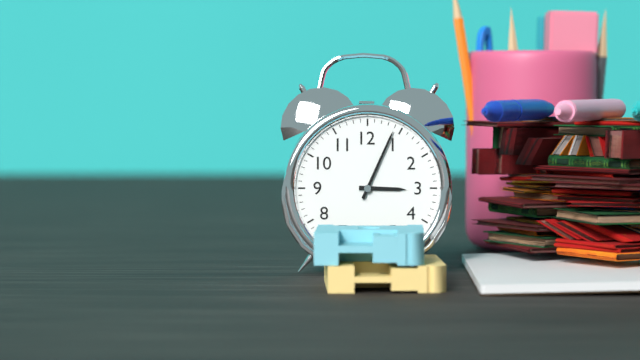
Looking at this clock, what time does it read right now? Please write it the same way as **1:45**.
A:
**3:04**
